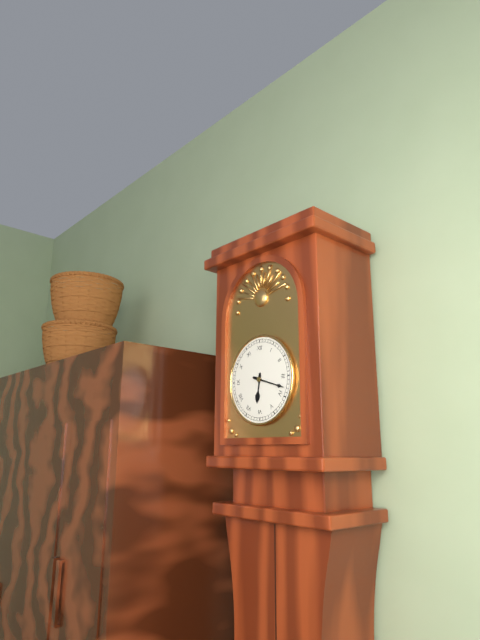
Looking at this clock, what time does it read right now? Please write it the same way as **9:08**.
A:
**6:18**
